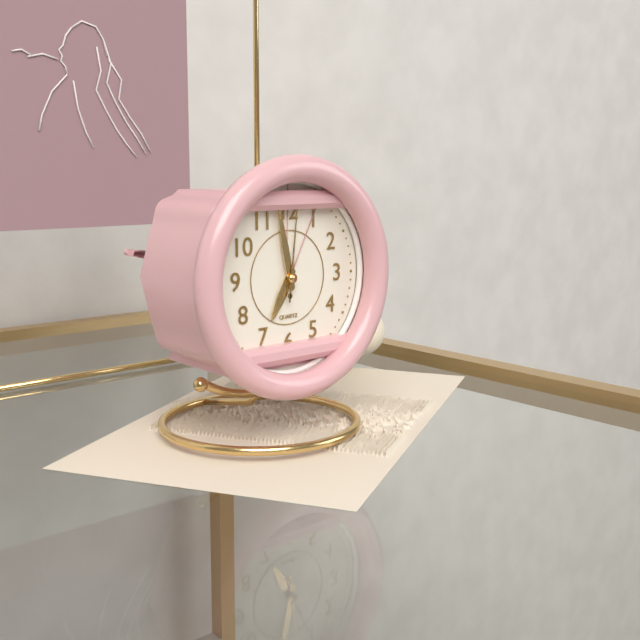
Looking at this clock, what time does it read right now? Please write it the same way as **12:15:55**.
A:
**6:58:01**
